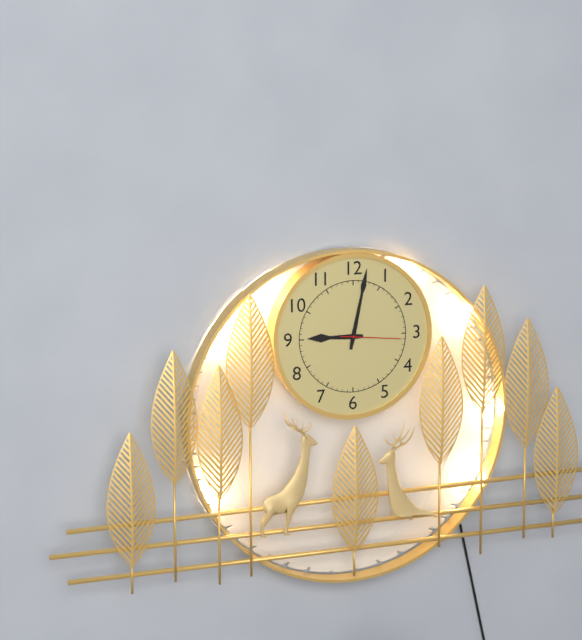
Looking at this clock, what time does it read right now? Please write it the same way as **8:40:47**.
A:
**9:02:16**
